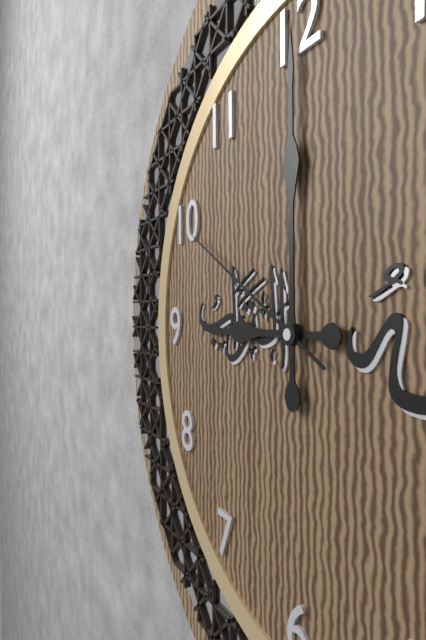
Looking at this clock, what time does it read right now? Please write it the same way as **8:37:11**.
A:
**9:00:50**
